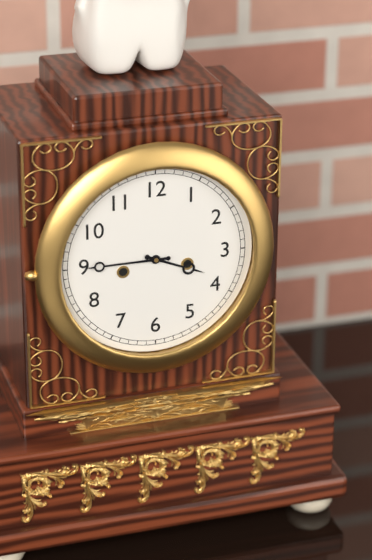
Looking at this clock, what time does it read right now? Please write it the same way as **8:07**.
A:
**3:45**
